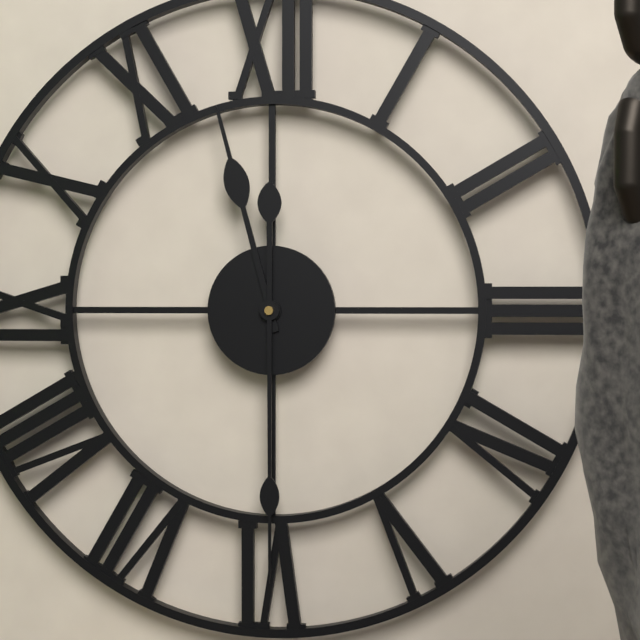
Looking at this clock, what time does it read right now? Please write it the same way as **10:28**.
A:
**11:30**
